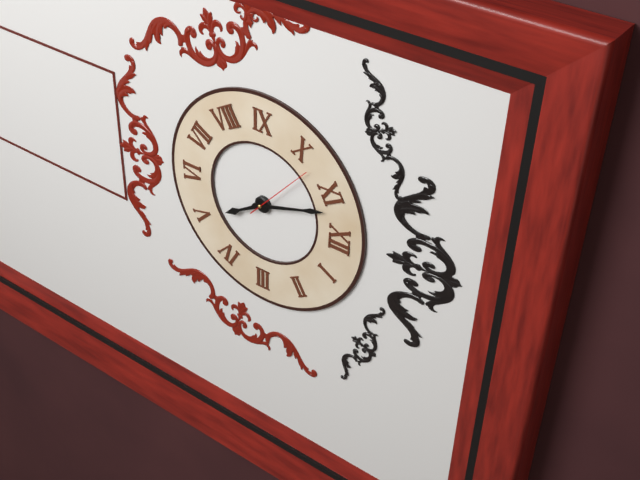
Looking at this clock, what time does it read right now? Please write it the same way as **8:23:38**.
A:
**4:57:52**
